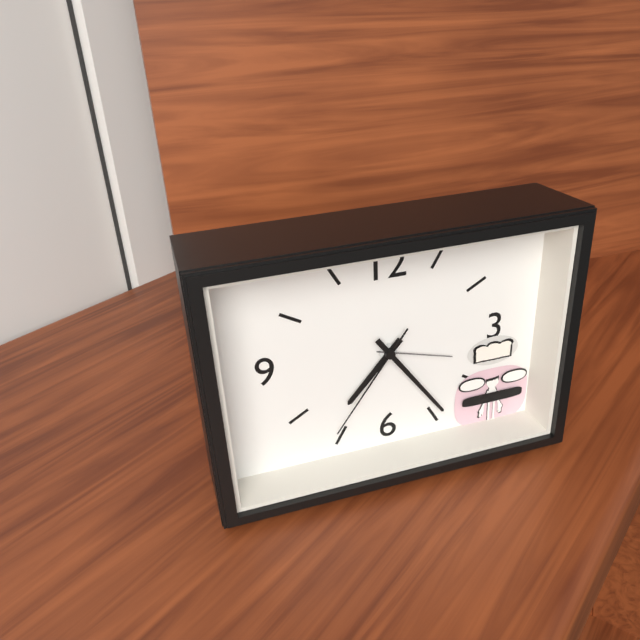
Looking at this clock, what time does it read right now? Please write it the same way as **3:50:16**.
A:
**7:24:36**
